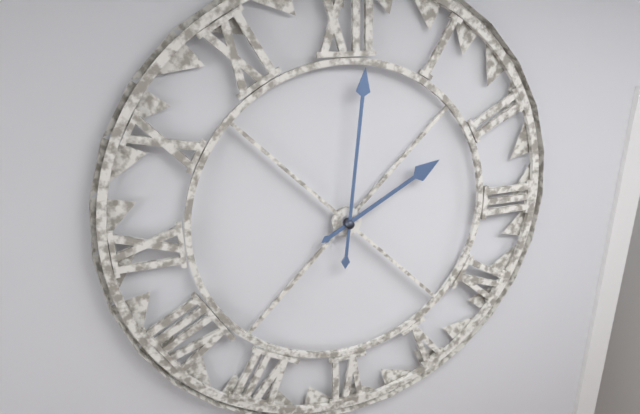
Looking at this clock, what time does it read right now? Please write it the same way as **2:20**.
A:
**2:01**
